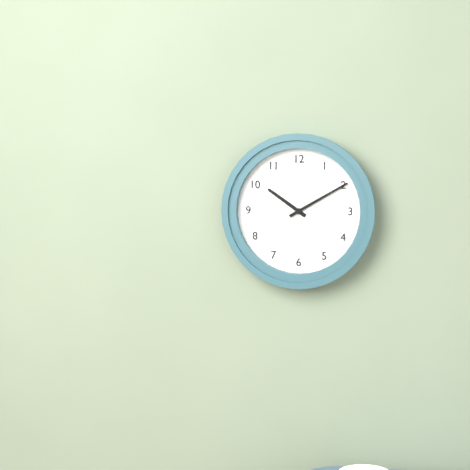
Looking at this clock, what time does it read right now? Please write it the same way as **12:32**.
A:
**10:10**
